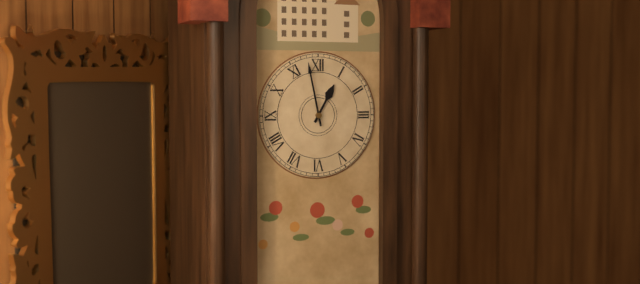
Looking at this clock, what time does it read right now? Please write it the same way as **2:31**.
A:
**12:58**
